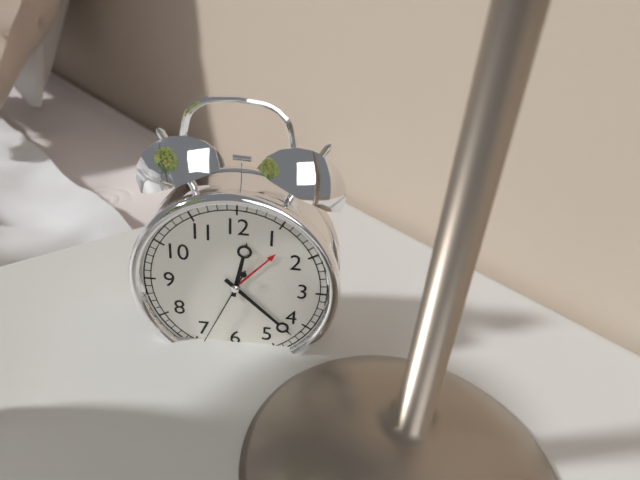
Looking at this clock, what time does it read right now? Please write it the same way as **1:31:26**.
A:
**12:22:34**
